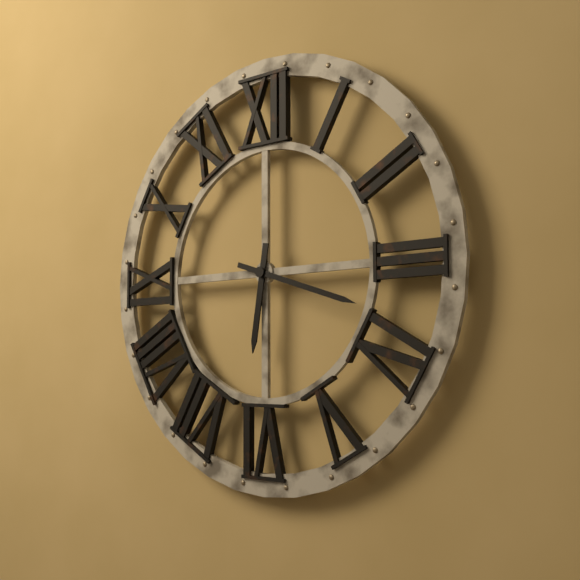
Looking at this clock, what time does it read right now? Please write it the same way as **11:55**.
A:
**6:18**
